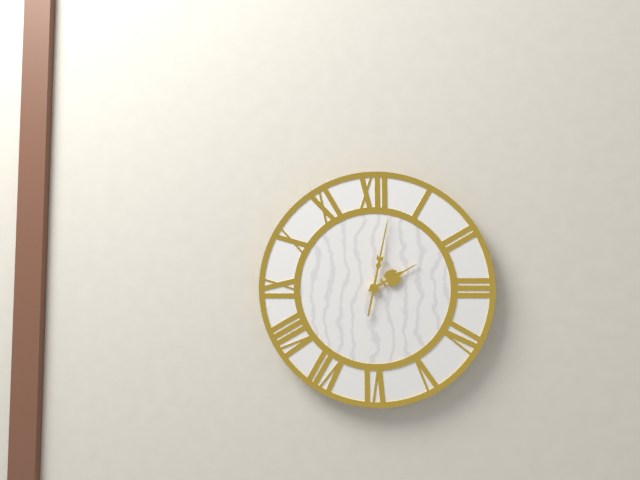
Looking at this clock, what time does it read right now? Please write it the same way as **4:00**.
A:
**2:02**
